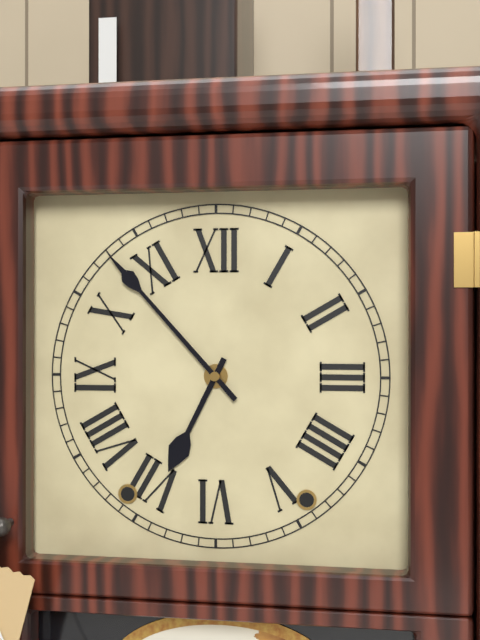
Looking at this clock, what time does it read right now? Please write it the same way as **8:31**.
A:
**6:53**
